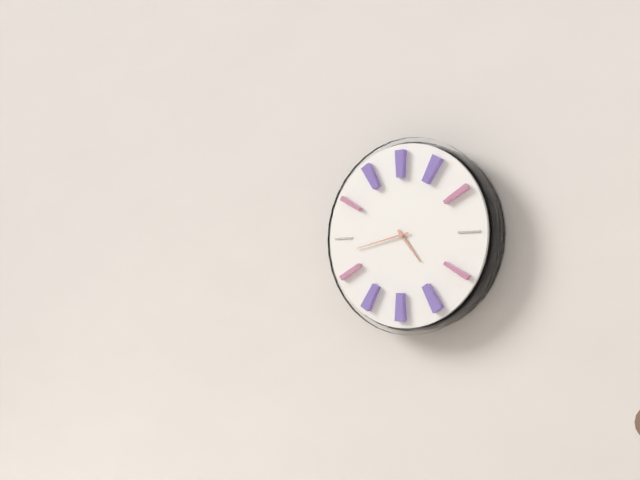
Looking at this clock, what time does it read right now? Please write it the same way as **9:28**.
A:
**4:43**
